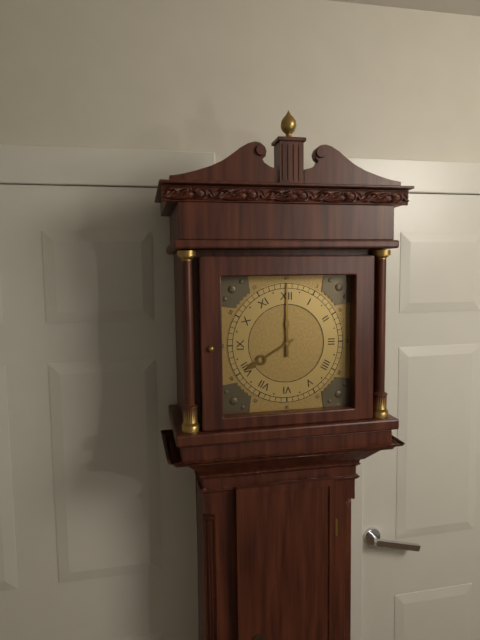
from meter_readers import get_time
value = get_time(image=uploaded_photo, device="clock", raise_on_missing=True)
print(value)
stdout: 8:00
